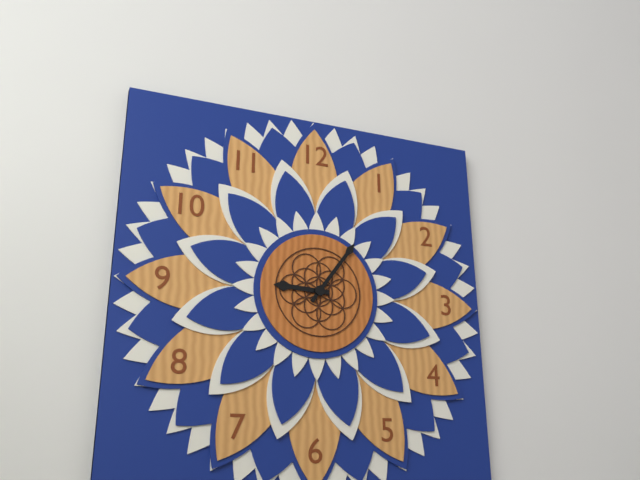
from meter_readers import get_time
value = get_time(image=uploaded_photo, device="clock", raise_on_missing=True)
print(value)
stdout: 9:06
